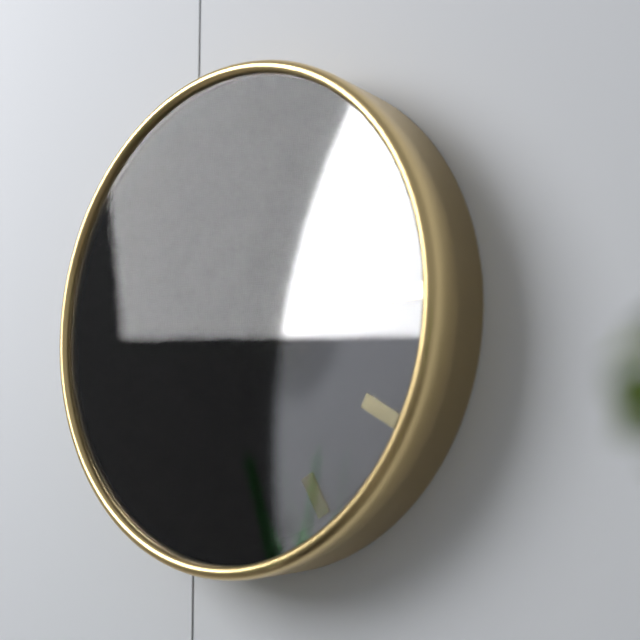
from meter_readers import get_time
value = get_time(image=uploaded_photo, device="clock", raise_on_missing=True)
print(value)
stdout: 3:47
